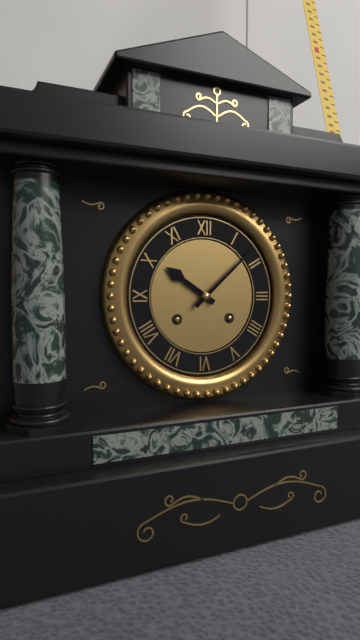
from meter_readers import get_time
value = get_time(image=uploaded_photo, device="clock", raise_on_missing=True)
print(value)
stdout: 10:08
